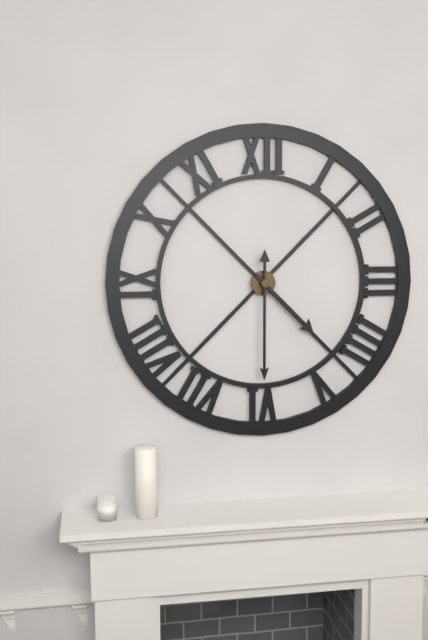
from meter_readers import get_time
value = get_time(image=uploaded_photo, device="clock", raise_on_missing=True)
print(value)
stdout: 4:30
